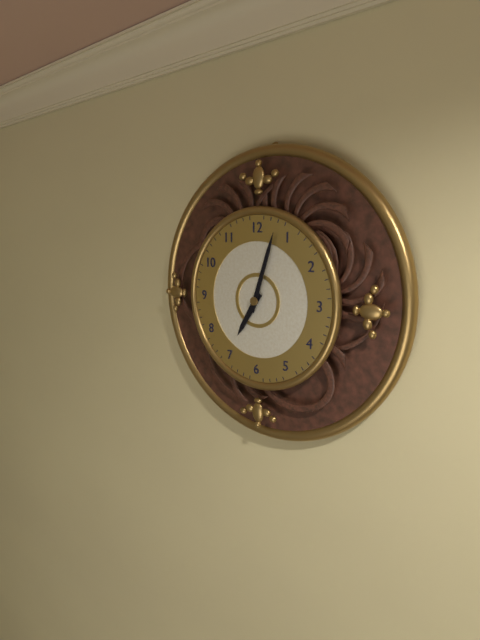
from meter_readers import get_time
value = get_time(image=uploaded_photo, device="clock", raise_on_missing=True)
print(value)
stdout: 7:03
